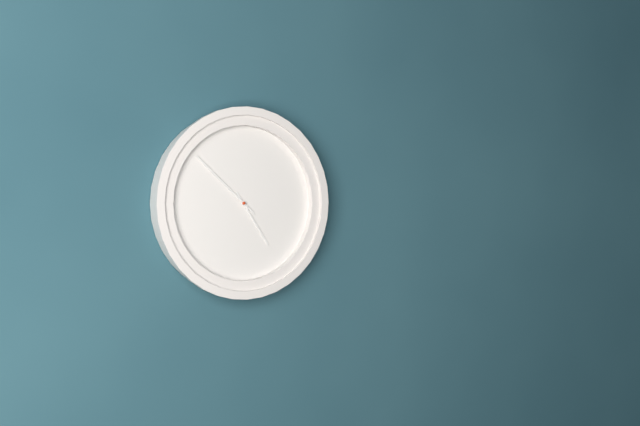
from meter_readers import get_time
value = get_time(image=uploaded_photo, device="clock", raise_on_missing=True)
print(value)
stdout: 4:52
